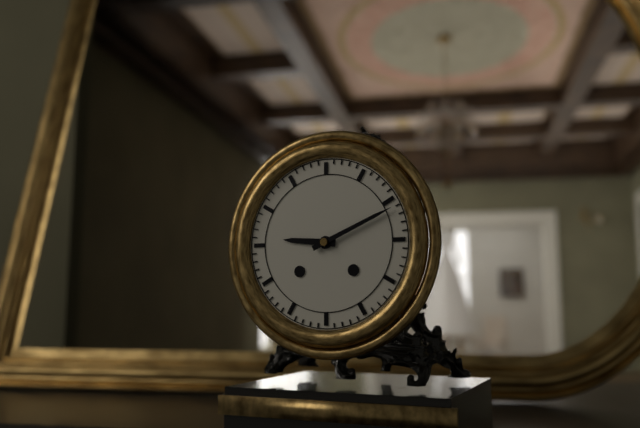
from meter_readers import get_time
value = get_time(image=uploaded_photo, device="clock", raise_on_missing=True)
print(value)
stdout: 9:11
